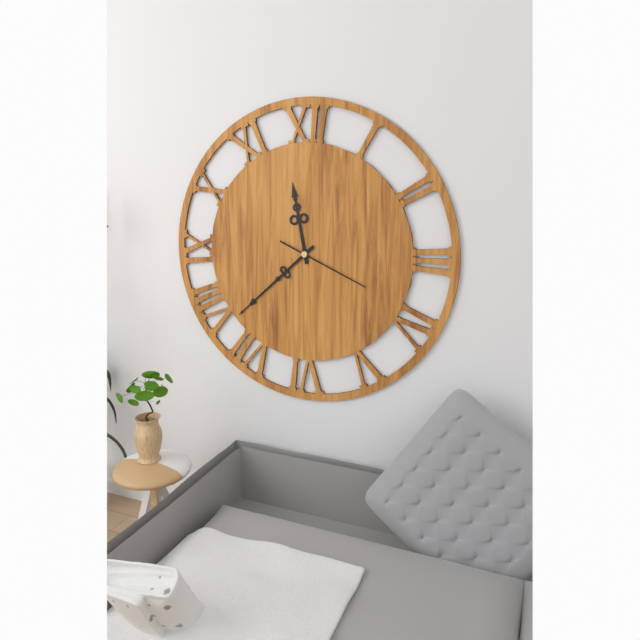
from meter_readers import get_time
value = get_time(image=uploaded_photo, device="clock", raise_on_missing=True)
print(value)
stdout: 11:38:19
